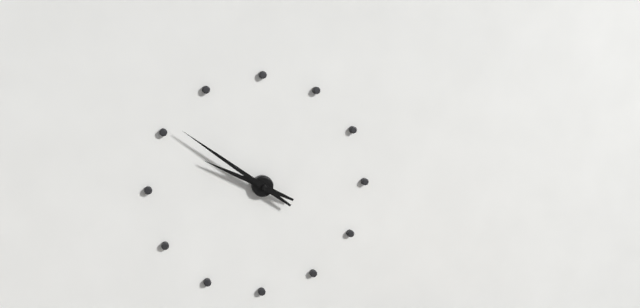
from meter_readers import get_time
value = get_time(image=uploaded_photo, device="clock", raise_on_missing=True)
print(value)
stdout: 9:51
